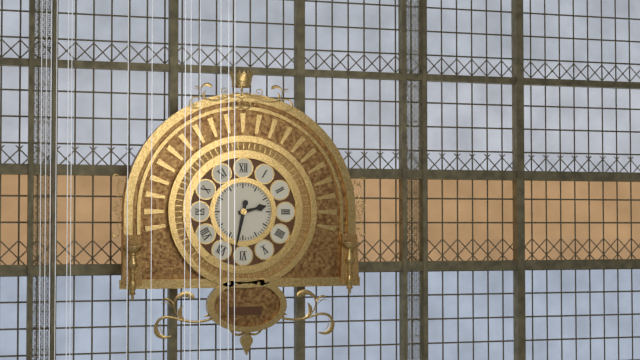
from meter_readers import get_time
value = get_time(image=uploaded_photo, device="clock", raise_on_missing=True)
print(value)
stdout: 2:32
